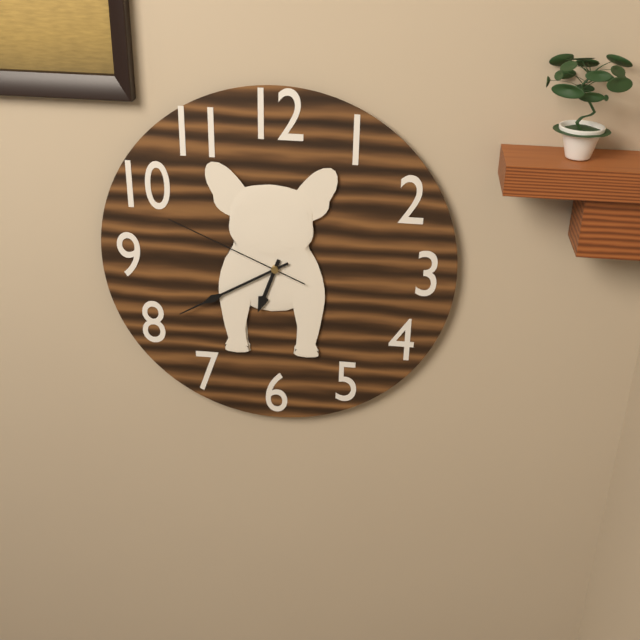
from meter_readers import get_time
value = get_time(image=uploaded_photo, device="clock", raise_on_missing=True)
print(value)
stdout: 6:40:49
